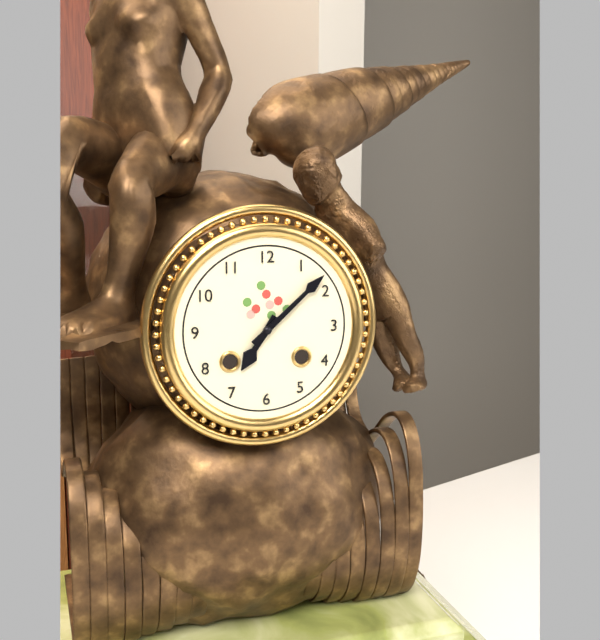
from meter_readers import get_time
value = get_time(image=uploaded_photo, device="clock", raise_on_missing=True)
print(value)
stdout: 7:08
